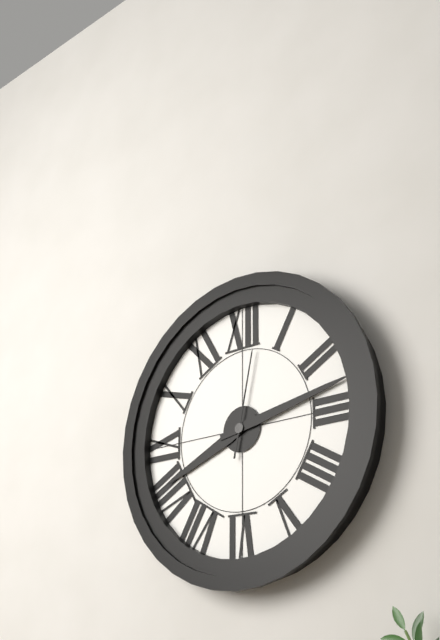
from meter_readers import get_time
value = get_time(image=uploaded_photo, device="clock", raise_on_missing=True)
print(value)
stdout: 8:13:02
